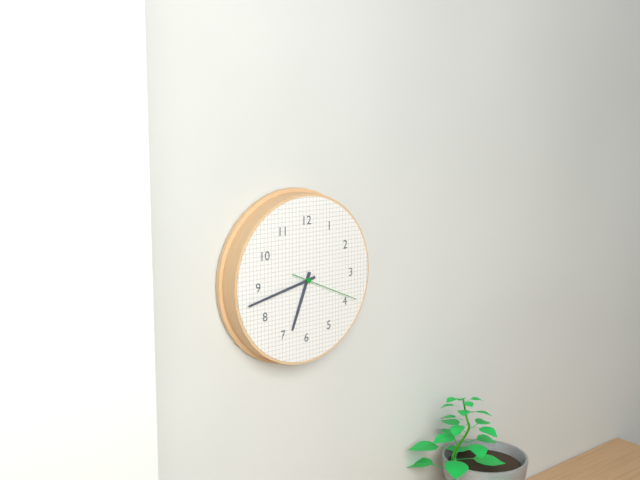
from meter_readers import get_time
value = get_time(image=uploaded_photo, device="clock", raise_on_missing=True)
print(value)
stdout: 6:43:19
